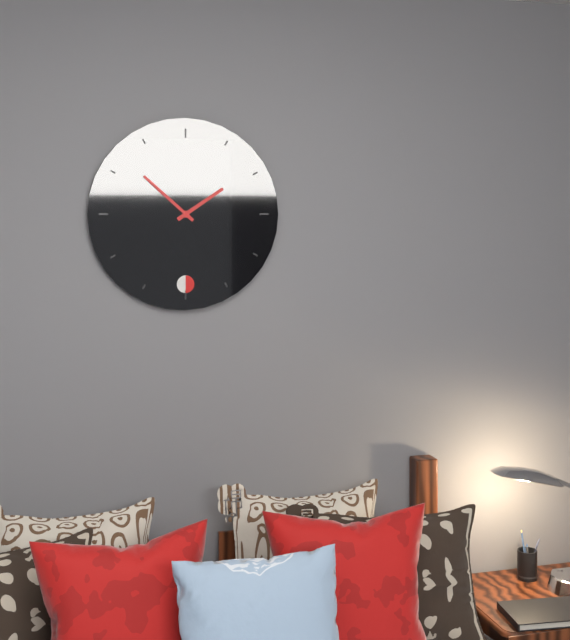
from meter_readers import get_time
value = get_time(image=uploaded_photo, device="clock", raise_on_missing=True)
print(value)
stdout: 1:52
